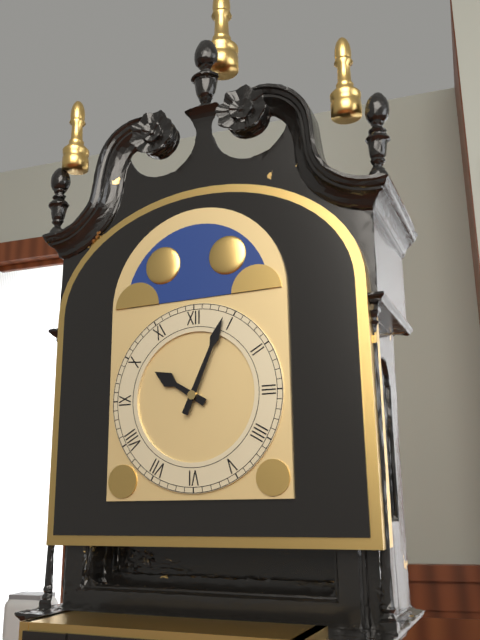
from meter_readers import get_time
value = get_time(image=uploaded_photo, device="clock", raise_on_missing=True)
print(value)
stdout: 10:04
